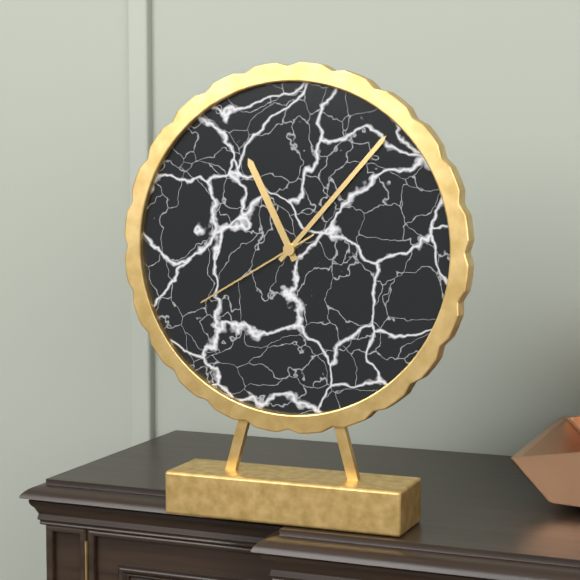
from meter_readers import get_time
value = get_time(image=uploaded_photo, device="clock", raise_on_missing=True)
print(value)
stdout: 11:07:40
